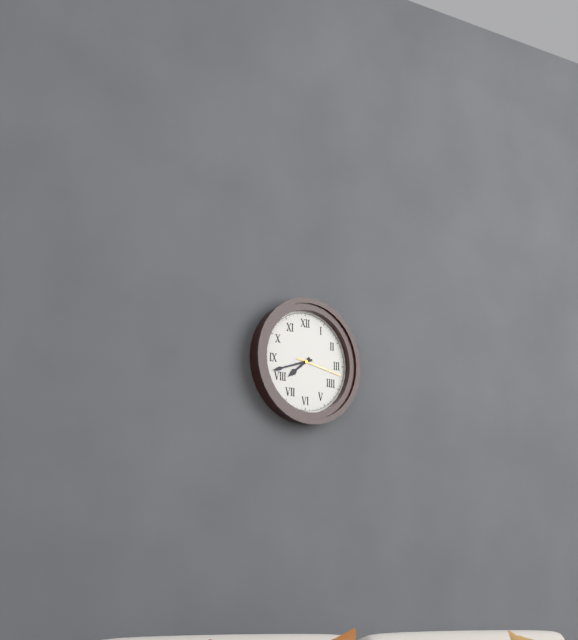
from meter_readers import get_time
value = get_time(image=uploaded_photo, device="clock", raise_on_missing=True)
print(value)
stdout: 7:42
